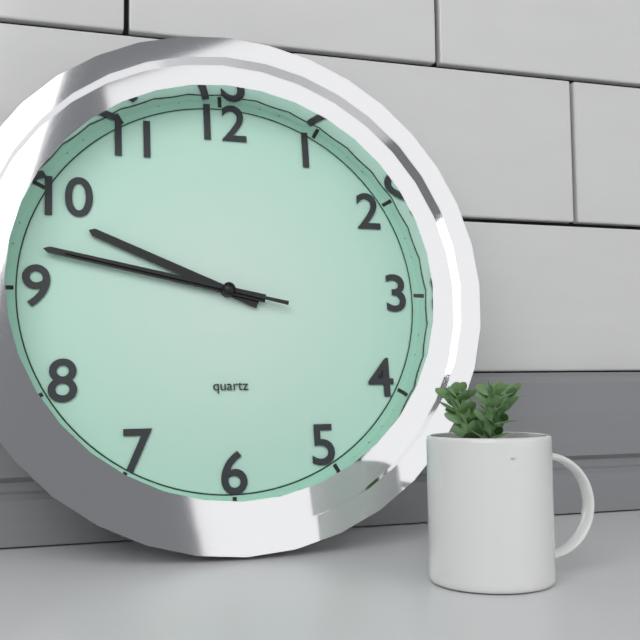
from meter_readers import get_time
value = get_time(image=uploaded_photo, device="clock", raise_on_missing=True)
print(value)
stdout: 9:47:47
